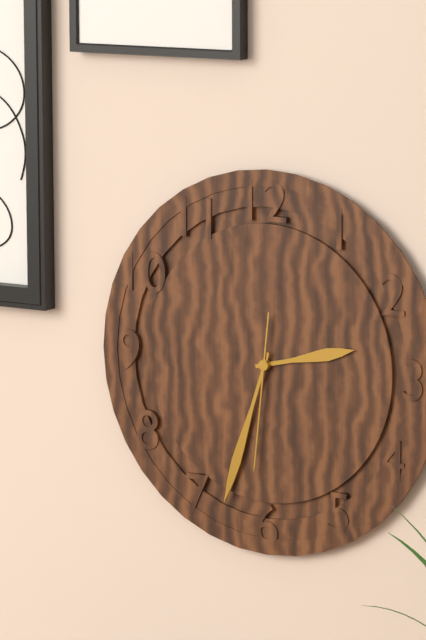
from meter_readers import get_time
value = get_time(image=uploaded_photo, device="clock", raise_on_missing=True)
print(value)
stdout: 2:33:31
